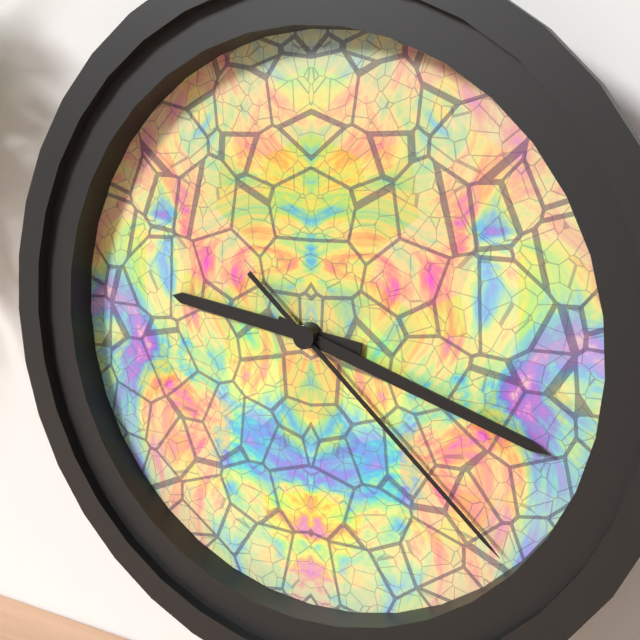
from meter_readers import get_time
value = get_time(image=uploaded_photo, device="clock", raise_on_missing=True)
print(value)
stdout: 9:18:22
